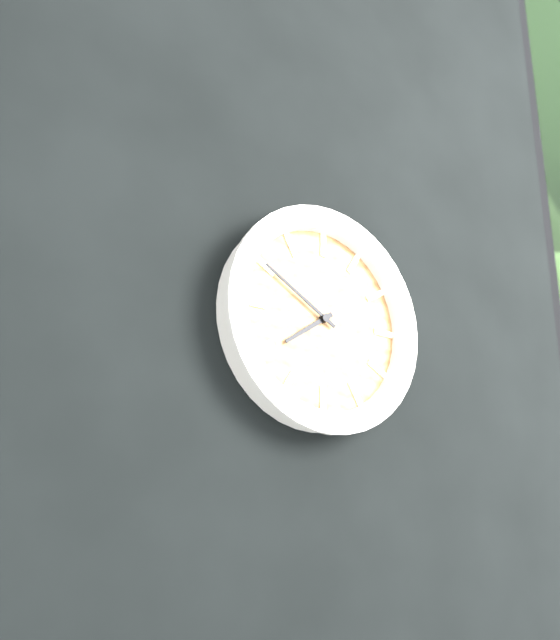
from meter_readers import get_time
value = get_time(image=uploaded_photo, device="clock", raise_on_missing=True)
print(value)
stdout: 7:50
